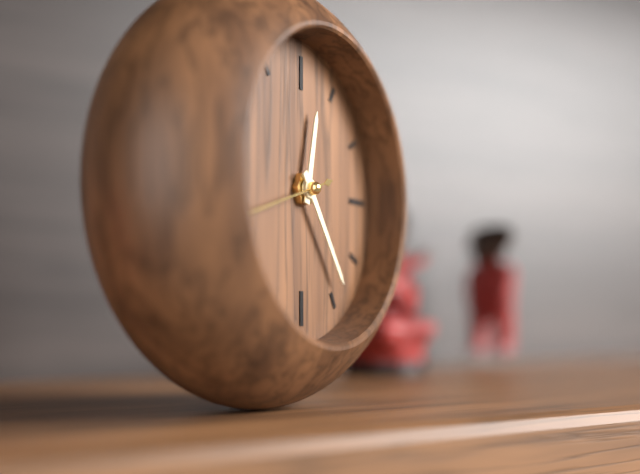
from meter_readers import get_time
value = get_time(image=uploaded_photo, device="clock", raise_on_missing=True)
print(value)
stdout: 12:24:42
